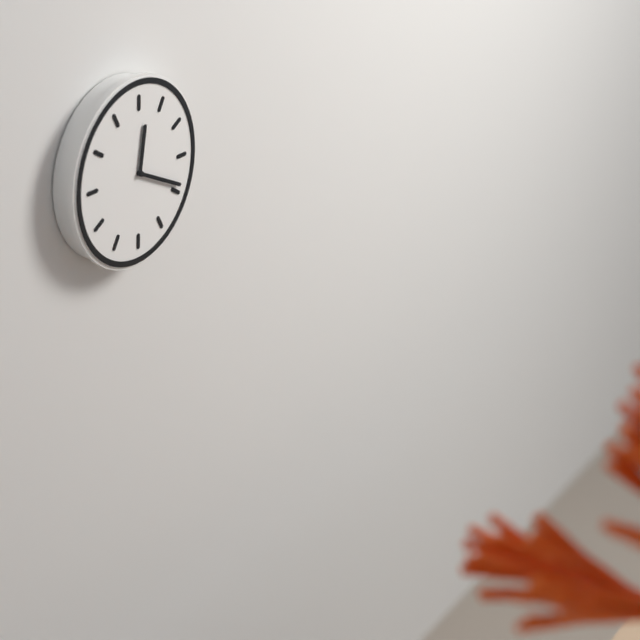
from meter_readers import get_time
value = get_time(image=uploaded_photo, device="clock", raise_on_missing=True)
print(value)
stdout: 12:19
